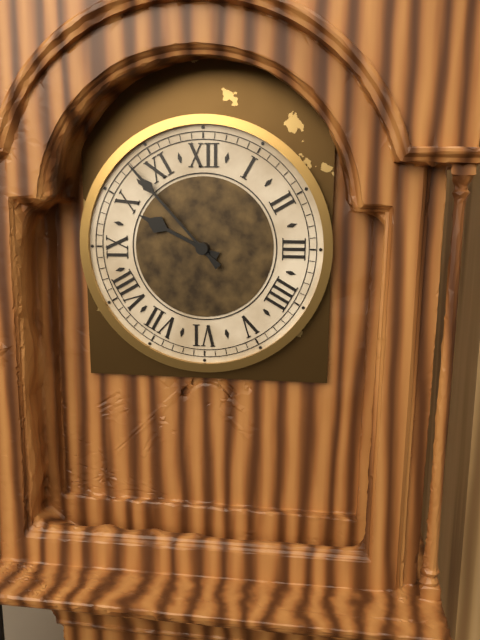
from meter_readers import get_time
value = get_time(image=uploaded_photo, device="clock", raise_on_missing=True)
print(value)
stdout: 9:53
